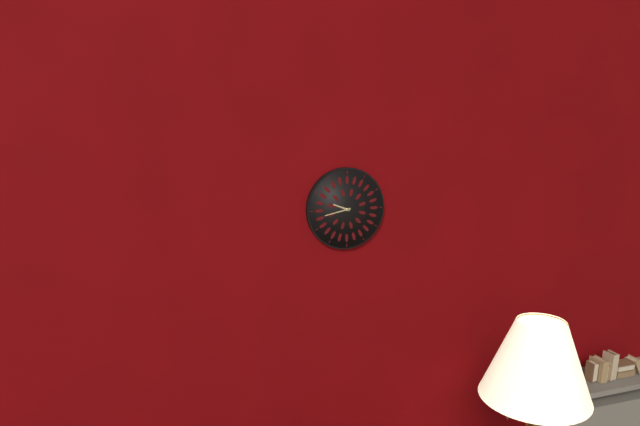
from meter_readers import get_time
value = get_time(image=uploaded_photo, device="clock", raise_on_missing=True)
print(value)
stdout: 9:43
